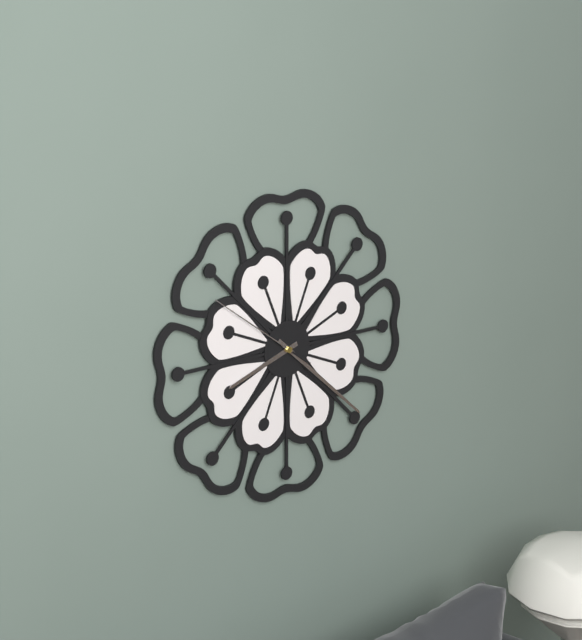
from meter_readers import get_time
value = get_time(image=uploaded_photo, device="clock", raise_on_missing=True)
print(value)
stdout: 8:22:51
